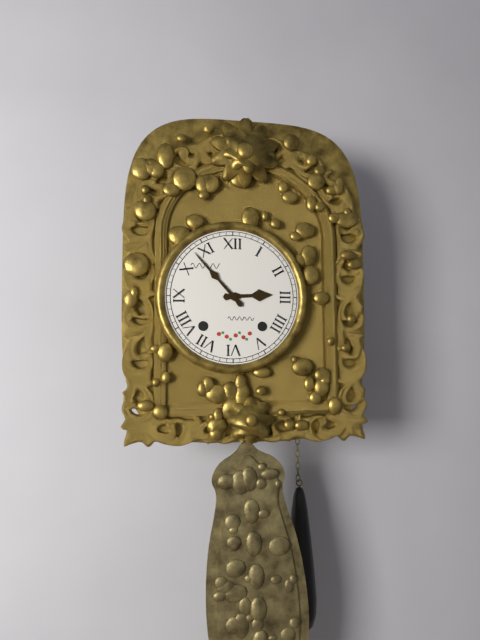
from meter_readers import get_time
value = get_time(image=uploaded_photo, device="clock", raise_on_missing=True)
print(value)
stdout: 2:53
